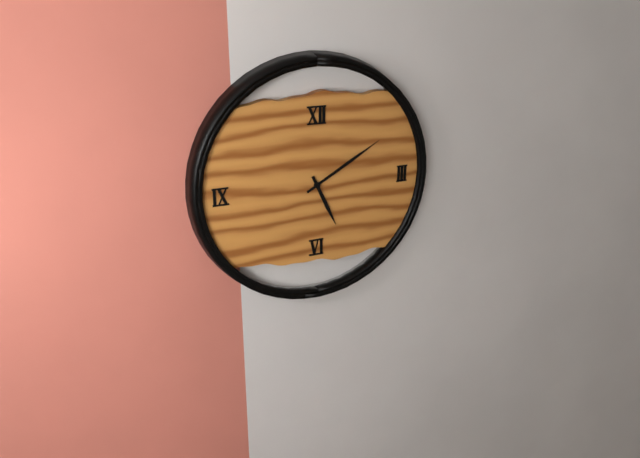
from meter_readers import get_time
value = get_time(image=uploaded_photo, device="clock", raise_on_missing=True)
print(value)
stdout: 5:10
